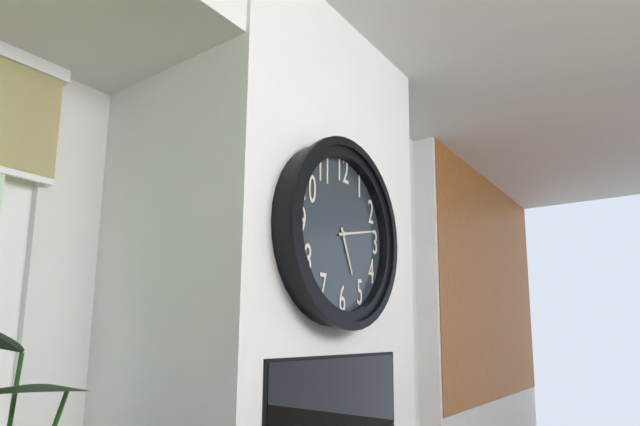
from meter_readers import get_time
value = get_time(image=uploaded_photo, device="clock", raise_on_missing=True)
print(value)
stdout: 5:13
